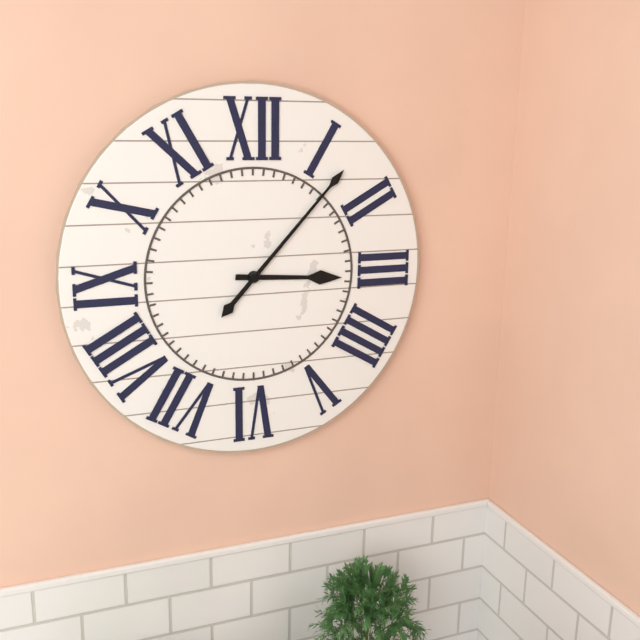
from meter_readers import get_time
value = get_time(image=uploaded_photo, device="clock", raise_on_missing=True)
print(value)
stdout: 3:07
